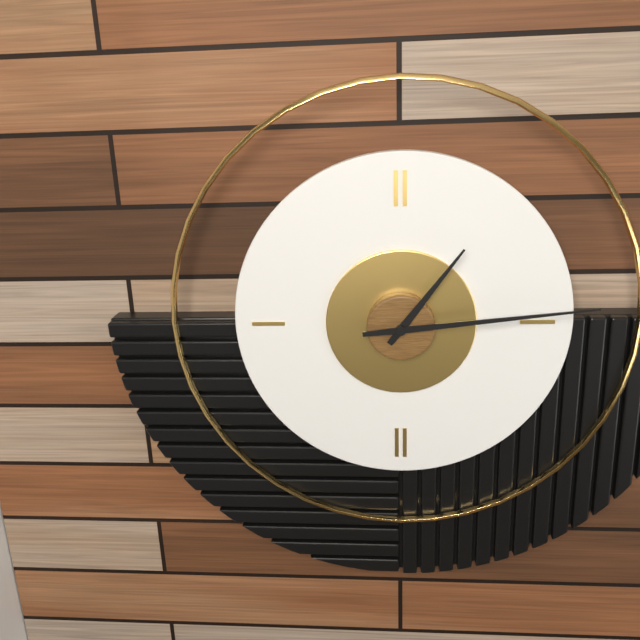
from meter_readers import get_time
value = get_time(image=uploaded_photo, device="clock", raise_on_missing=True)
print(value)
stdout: 1:14
